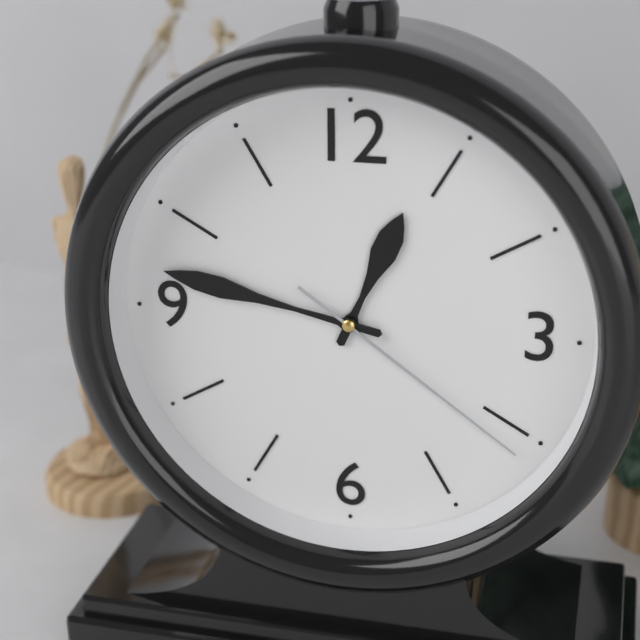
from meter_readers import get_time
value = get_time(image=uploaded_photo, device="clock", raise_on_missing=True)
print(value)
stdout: 12:47:21
